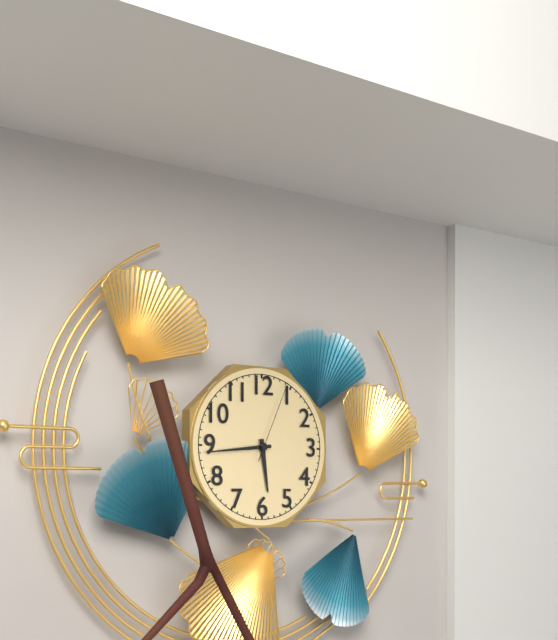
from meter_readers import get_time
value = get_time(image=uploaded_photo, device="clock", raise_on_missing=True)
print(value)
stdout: 5:44:04
